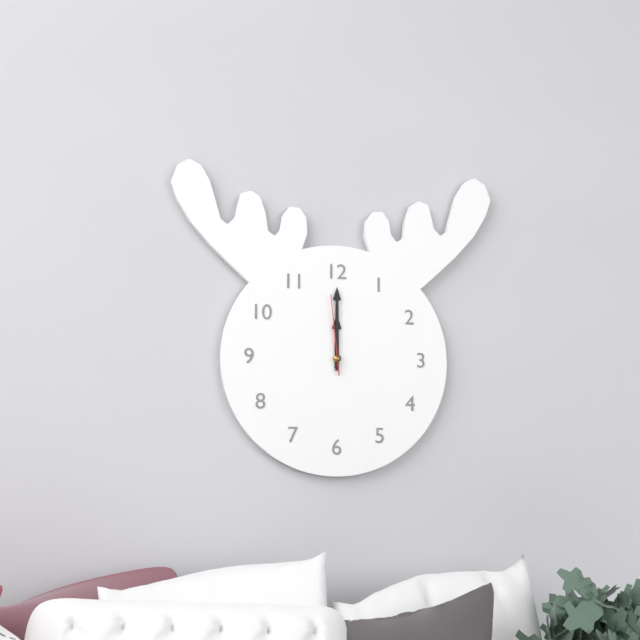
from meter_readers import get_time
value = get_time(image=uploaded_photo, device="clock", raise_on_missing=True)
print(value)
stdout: 12:00:59
